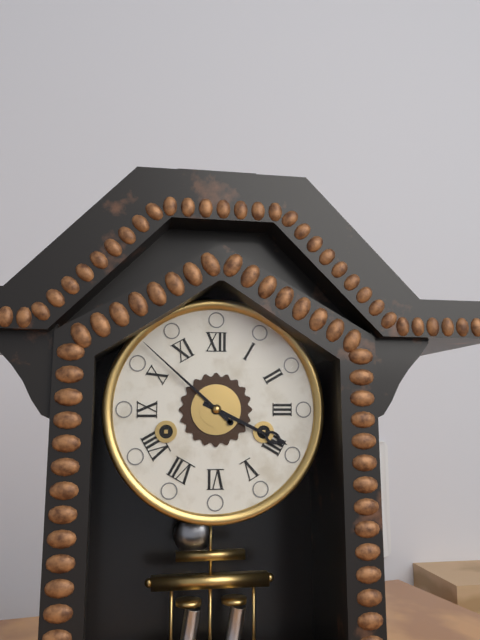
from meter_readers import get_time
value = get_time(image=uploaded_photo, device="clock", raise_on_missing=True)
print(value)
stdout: 3:52
